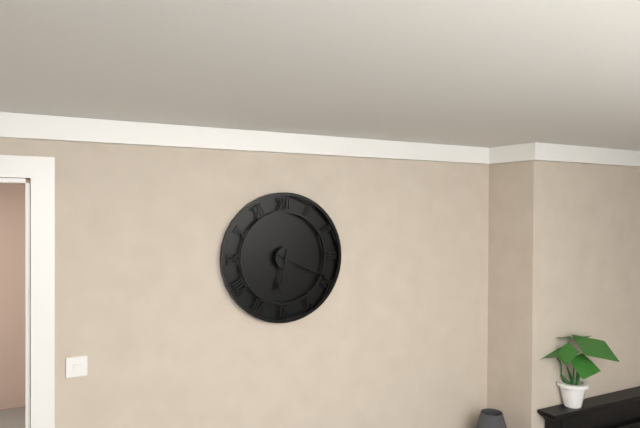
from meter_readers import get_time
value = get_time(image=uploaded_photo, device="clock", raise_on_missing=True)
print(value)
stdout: 6:19
